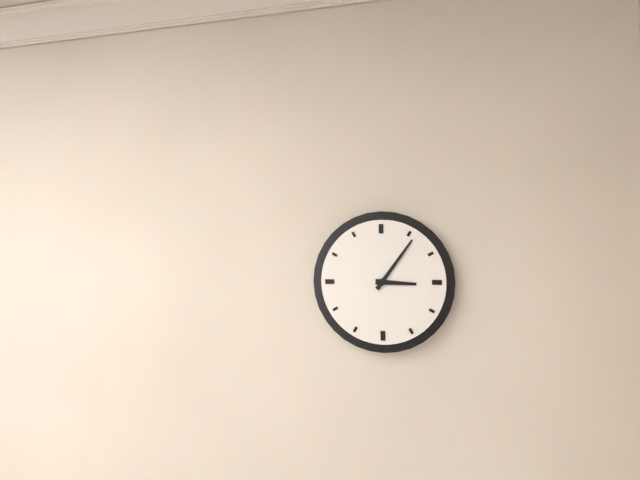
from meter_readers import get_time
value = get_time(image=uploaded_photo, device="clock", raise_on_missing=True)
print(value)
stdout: 3:06
